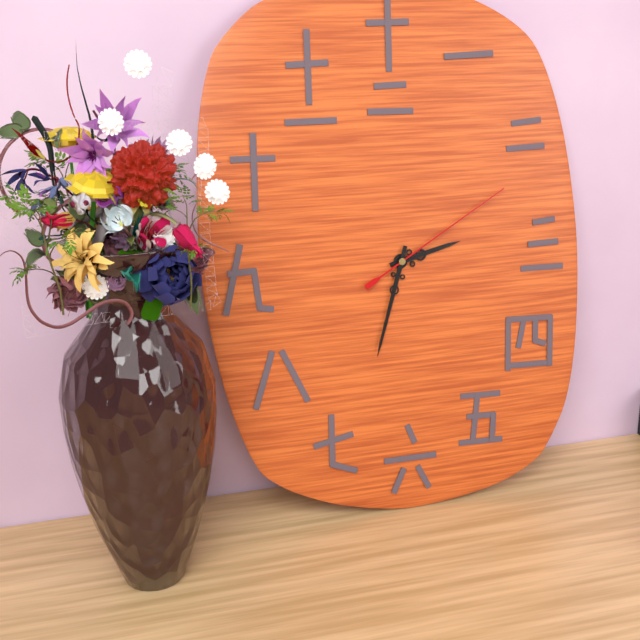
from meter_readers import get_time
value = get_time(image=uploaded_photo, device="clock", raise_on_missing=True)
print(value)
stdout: 2:33:10
